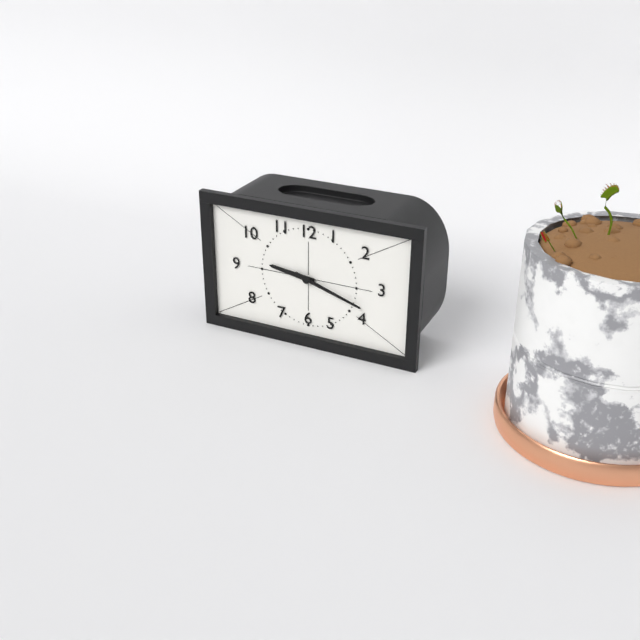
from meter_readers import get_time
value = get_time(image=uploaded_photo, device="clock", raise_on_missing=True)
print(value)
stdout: 9:18
